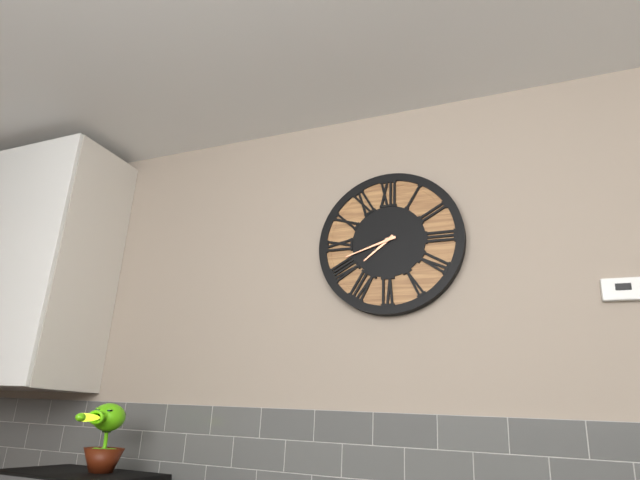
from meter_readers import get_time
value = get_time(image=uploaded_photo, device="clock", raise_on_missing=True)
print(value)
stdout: 7:42
